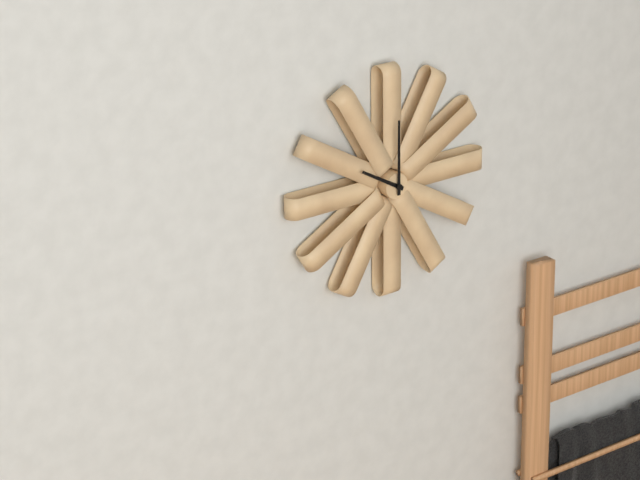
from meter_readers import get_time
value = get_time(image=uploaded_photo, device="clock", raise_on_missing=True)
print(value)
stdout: 10:00
